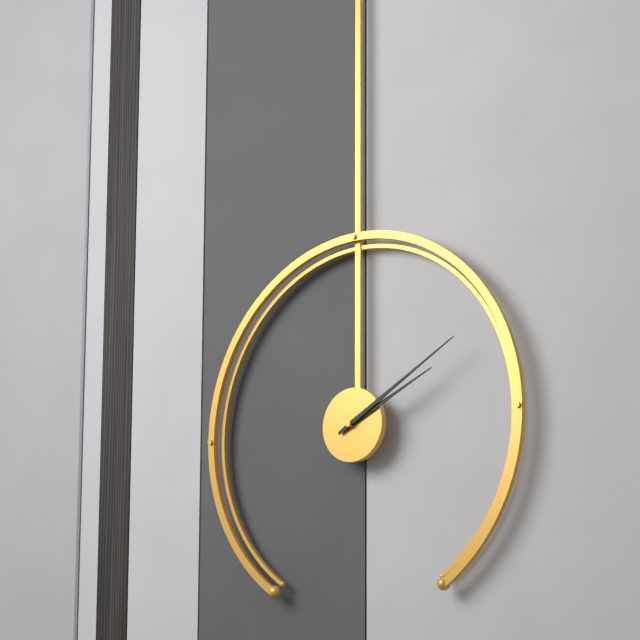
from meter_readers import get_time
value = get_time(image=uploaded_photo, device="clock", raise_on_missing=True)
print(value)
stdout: 2:10
